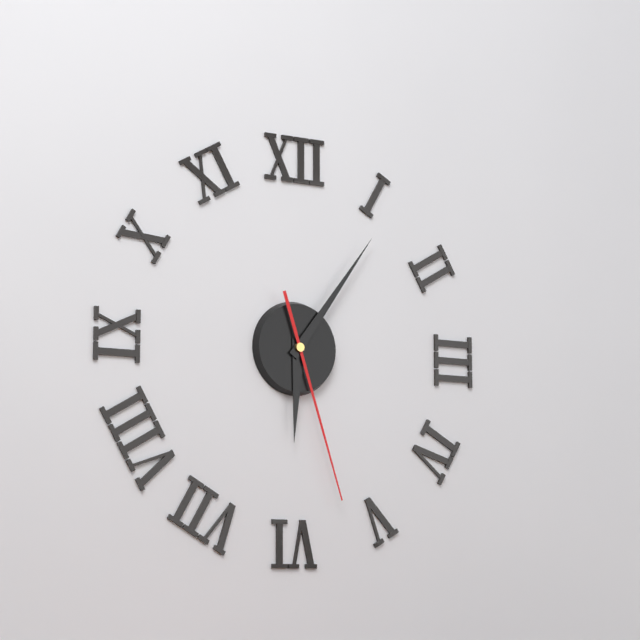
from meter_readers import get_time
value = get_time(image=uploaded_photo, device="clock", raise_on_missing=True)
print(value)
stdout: 6:06:27
